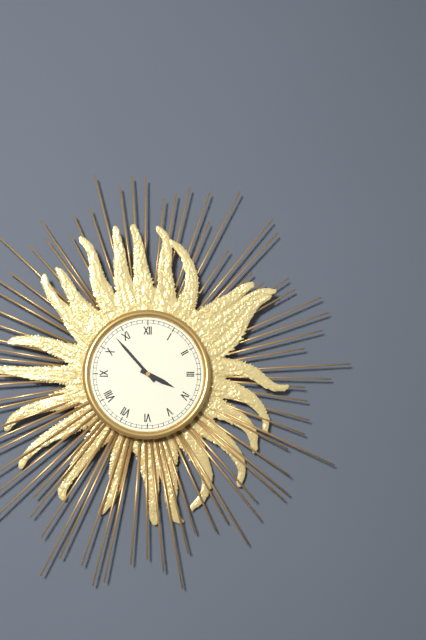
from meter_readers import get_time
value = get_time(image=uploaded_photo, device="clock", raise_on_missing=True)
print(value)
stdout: 3:53
